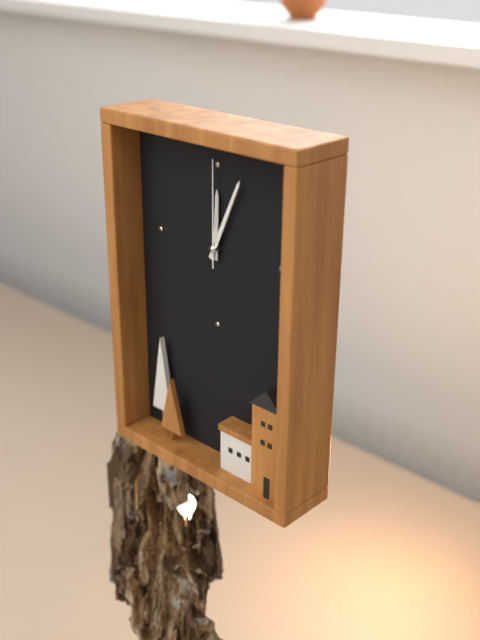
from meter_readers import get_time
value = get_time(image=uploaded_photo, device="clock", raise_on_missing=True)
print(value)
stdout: 12:04:00
